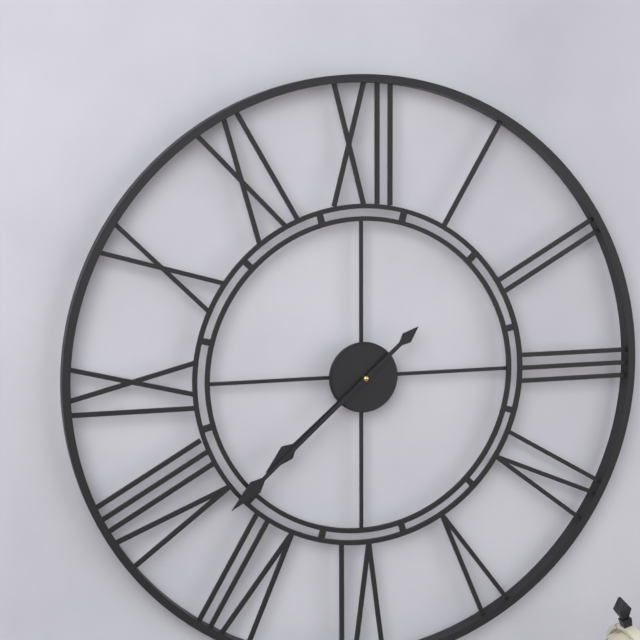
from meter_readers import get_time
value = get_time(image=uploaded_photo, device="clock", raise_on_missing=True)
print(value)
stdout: 7:38
